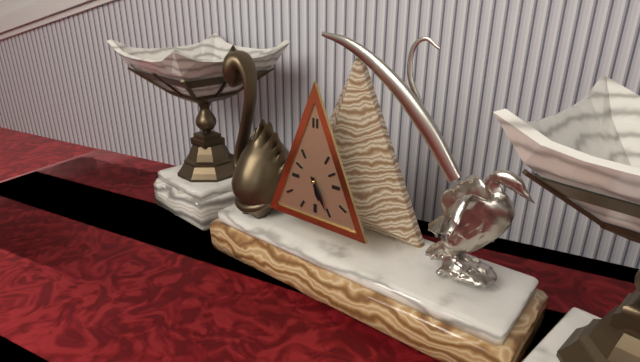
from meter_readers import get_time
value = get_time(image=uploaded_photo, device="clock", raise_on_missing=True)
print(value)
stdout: 5:25
